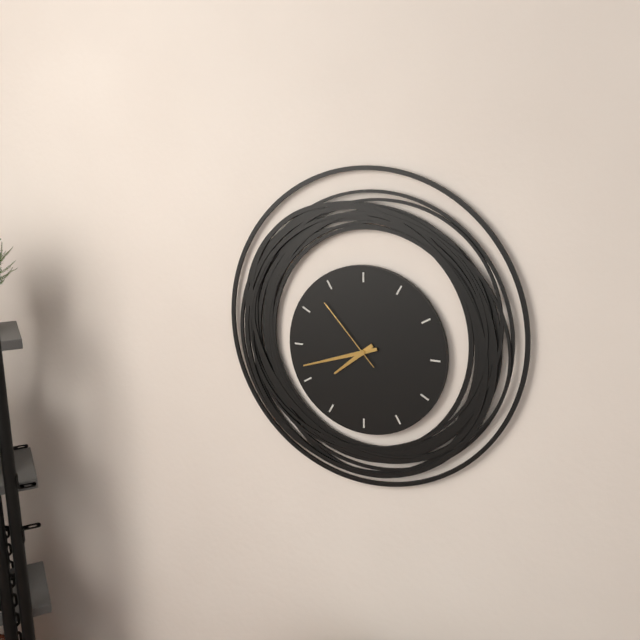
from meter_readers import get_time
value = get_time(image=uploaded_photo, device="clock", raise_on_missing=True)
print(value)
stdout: 7:42:53
